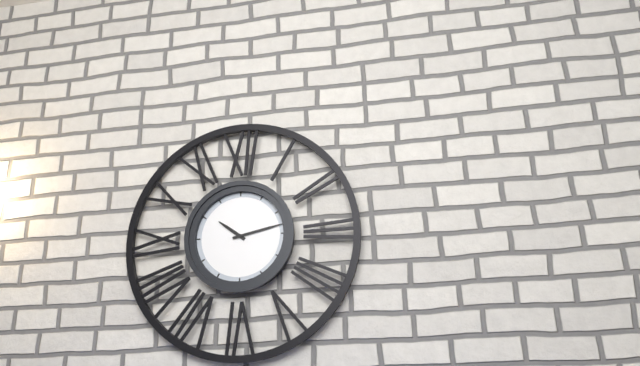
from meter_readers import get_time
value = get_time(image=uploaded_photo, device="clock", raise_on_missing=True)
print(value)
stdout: 10:13
